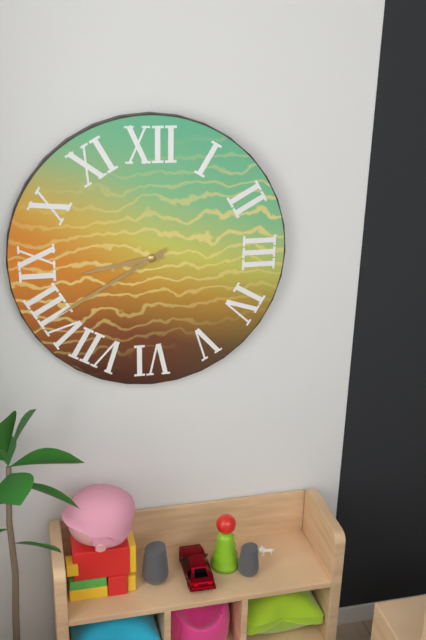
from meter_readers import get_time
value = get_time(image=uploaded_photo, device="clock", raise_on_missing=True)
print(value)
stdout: 8:40
